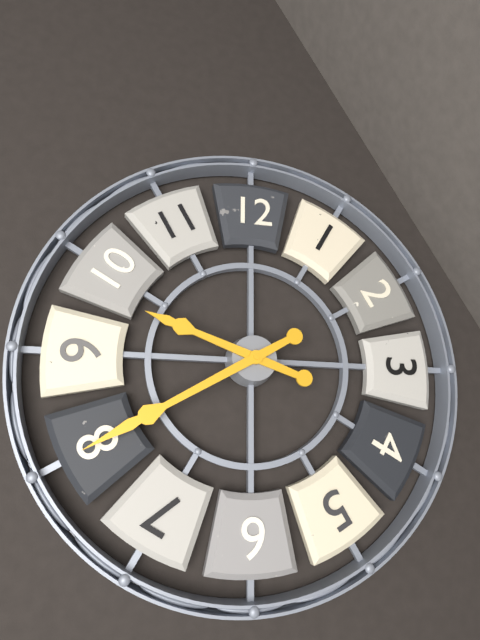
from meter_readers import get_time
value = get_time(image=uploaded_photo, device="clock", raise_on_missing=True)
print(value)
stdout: 9:40
